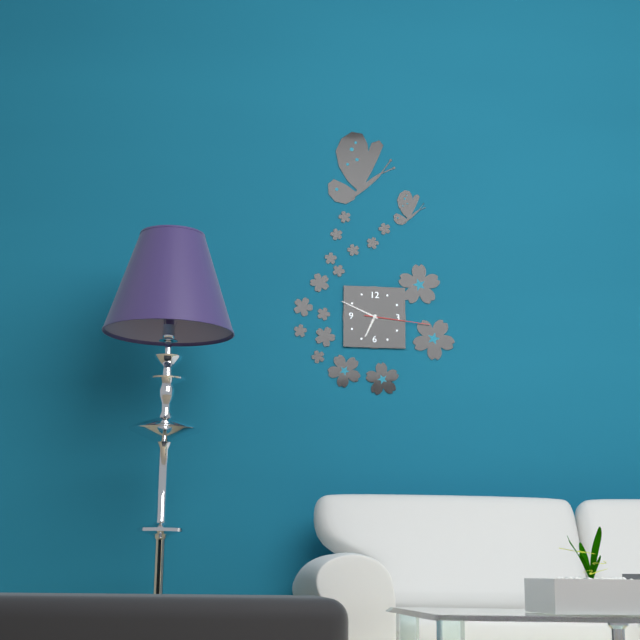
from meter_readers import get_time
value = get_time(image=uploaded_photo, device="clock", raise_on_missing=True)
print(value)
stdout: 6:49:16
